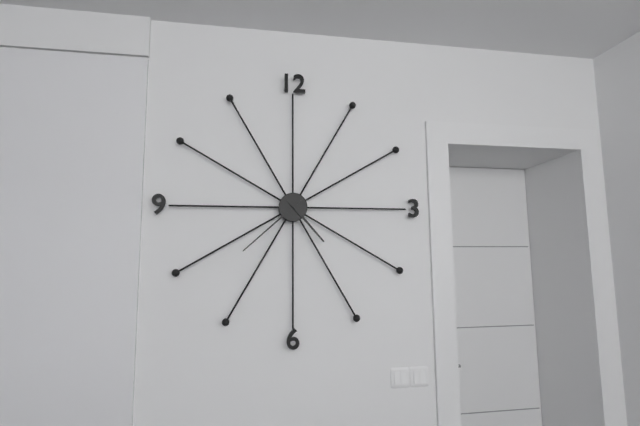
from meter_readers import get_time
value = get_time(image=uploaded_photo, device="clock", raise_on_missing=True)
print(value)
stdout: 4:38
